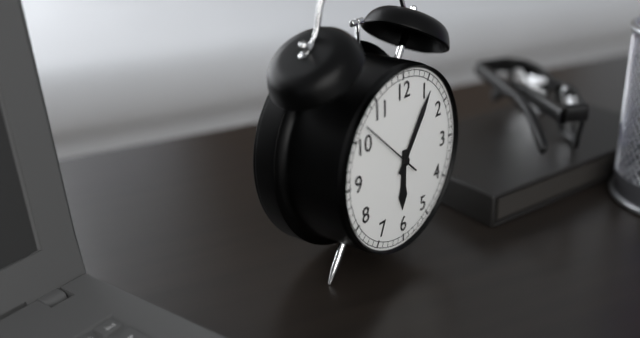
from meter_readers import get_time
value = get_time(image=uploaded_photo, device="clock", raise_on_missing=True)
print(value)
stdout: 6:06:52
